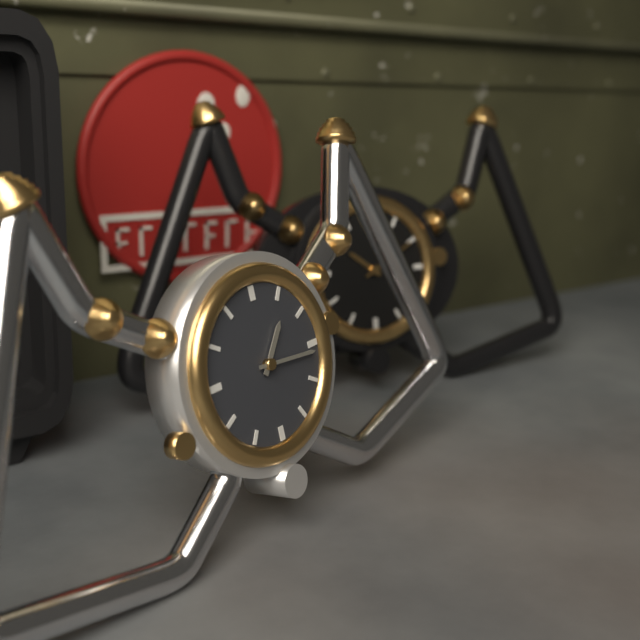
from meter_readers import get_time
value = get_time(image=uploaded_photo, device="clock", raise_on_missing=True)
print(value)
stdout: 1:16
